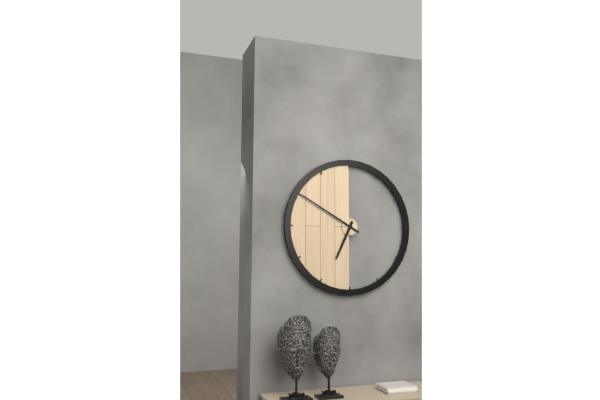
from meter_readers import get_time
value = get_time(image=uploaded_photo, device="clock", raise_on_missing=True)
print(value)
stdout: 6:50
